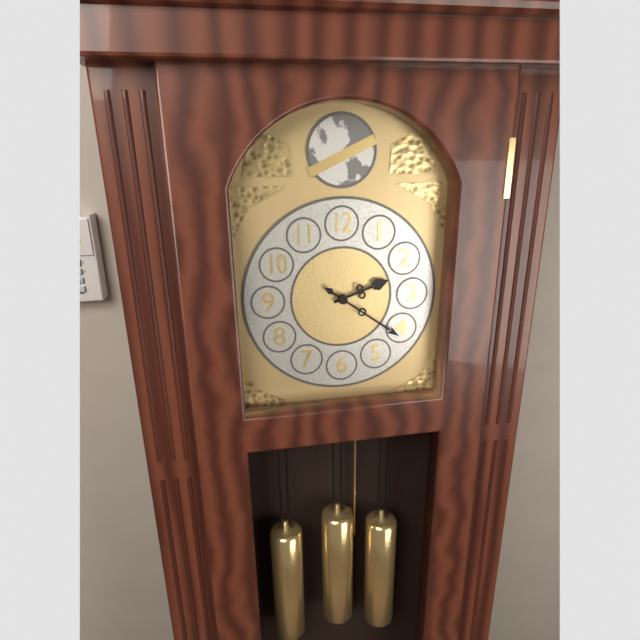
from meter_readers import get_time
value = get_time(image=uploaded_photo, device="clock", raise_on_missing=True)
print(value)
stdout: 2:21
